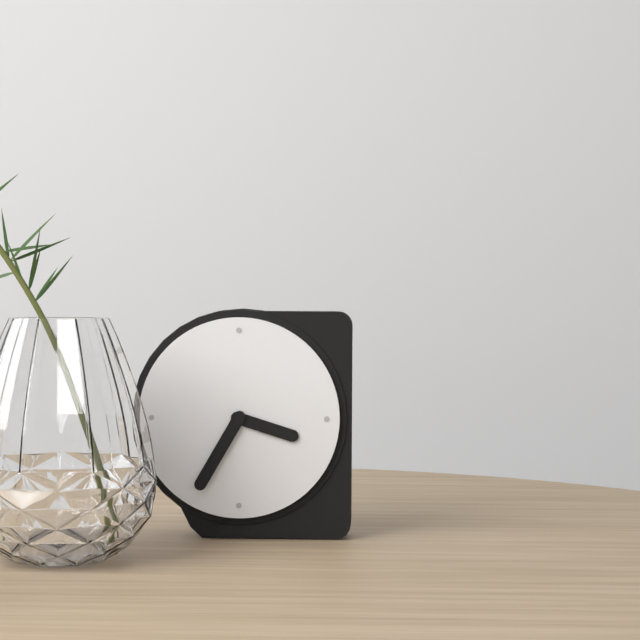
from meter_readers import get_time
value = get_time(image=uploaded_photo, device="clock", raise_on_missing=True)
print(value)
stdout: 3:35
